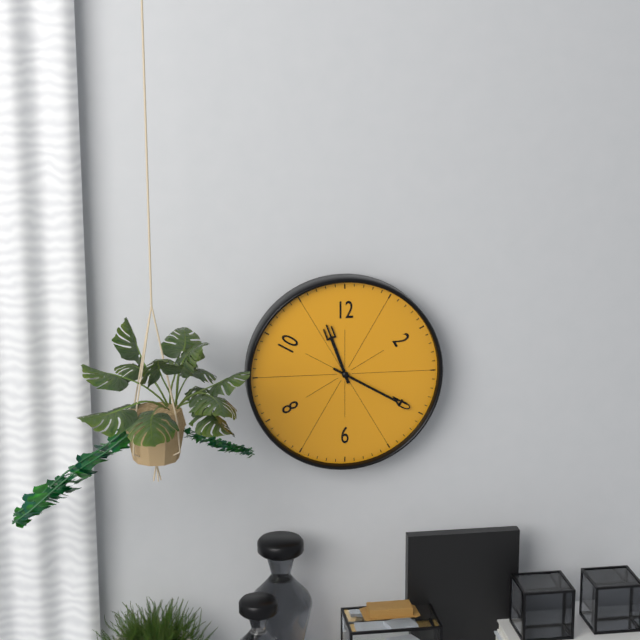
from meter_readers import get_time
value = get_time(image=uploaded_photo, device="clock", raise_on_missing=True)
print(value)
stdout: 11:20
